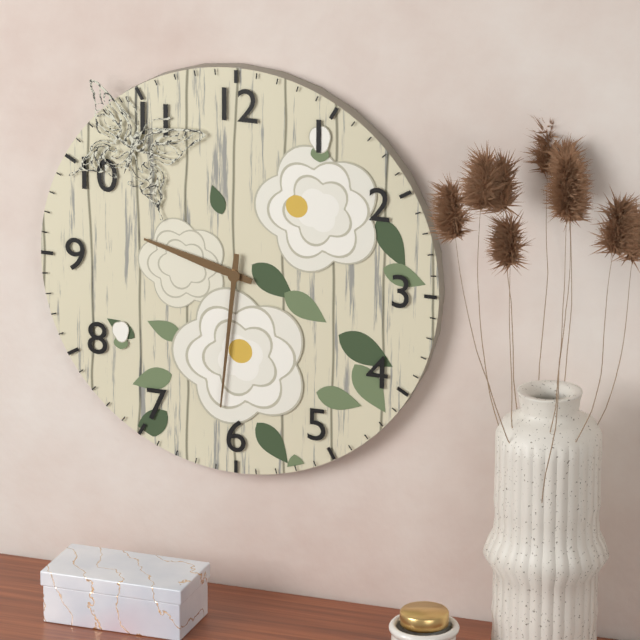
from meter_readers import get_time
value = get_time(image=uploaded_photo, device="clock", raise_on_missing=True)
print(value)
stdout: 9:31
